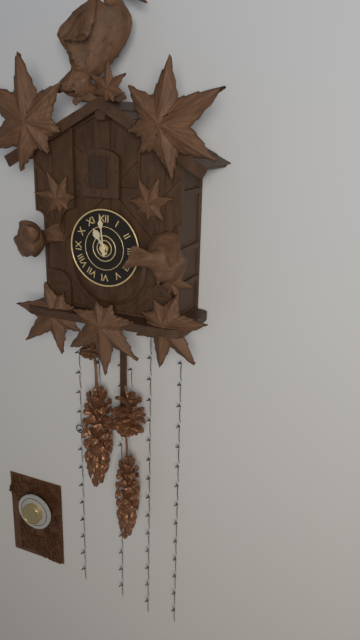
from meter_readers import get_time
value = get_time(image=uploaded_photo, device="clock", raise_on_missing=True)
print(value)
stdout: 10:59
